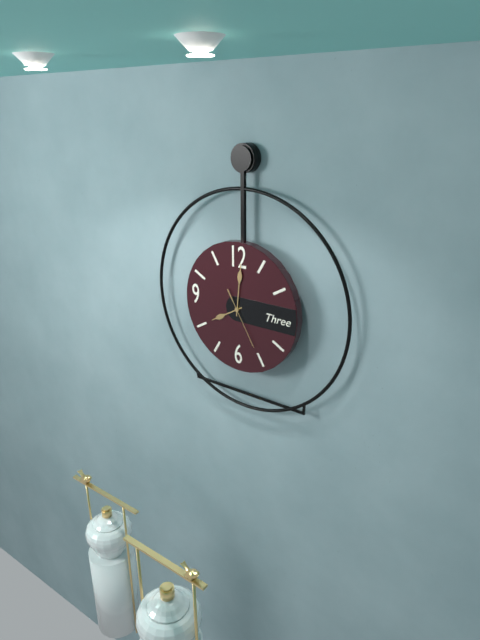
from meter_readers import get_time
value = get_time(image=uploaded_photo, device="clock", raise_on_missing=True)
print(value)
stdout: 8:01:25
